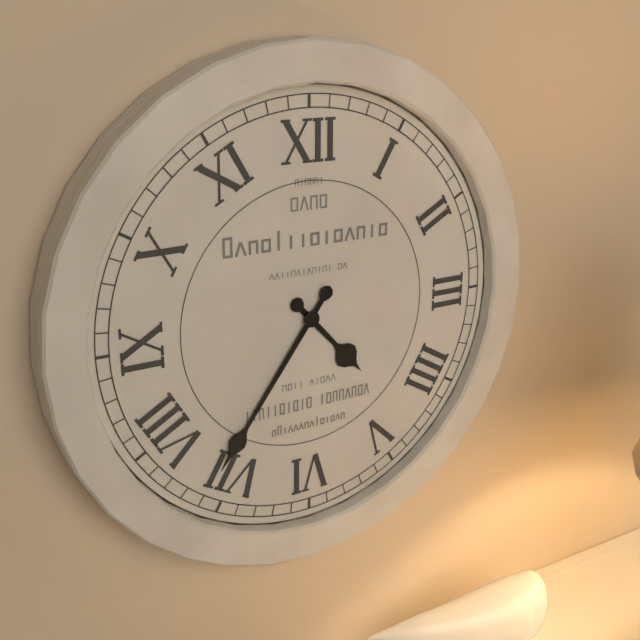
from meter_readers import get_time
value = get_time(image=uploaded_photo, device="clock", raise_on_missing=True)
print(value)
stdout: 4:36
